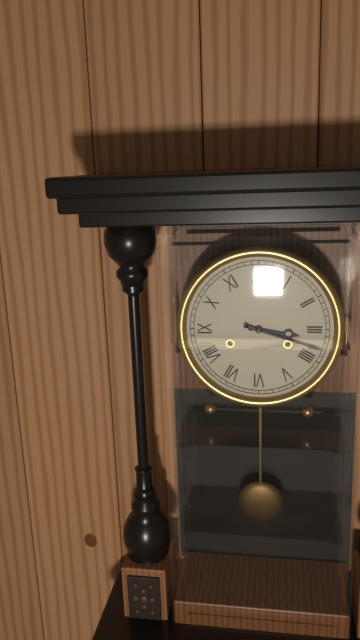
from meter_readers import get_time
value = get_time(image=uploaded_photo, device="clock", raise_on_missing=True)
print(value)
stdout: 3:18
